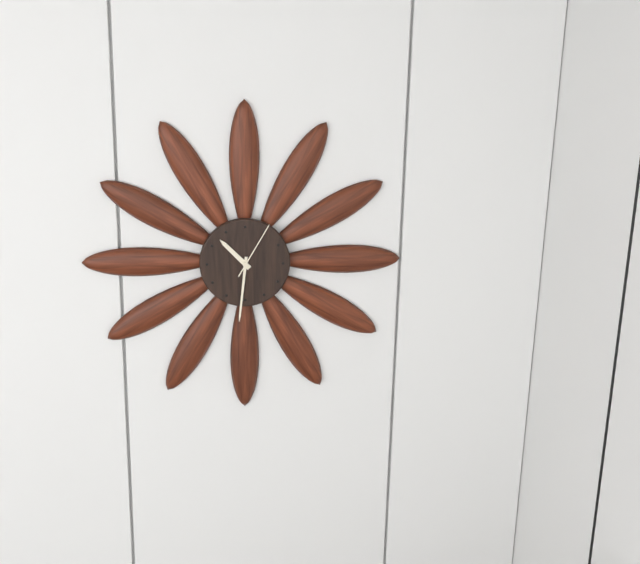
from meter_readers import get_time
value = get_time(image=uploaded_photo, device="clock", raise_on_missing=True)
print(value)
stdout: 10:31:05
